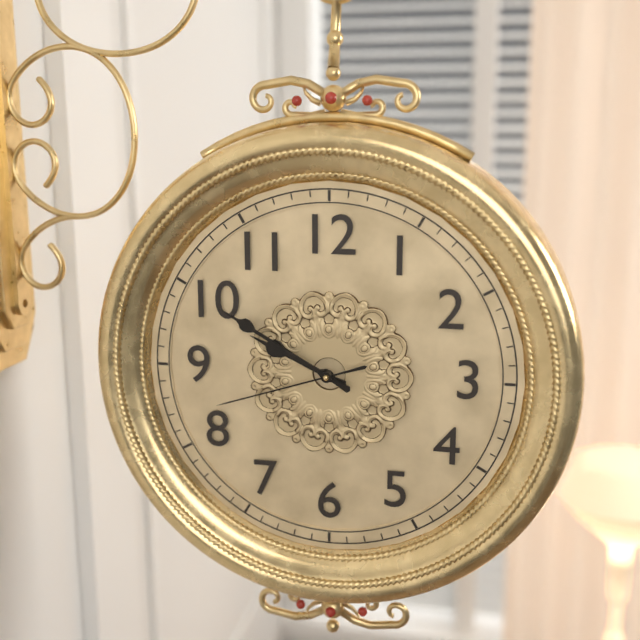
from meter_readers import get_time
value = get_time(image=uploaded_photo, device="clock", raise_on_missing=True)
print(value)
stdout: 9:50:42
